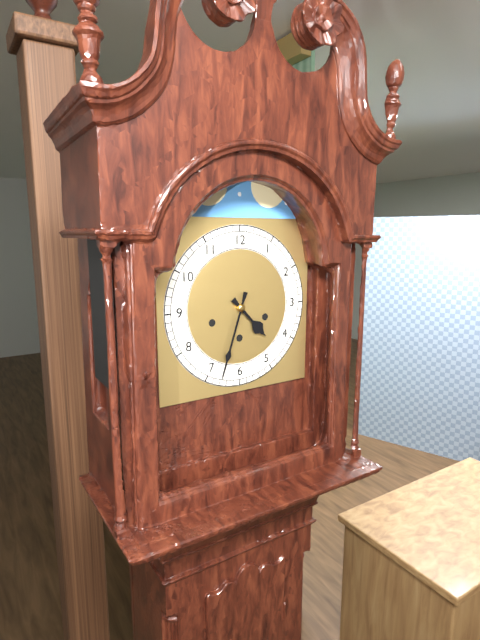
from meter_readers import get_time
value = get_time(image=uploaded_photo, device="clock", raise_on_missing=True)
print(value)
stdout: 4:33
